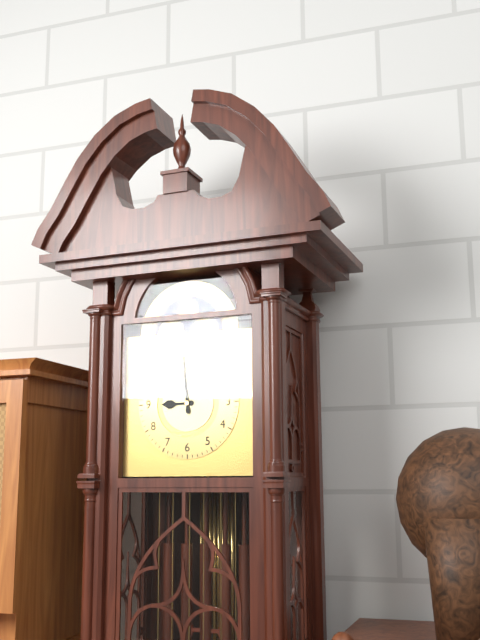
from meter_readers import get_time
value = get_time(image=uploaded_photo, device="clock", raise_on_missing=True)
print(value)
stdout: 8:59
